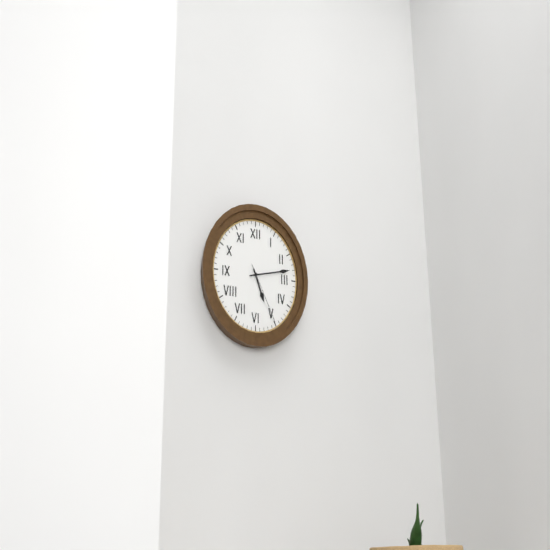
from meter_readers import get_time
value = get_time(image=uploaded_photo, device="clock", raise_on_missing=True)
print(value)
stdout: 5:13:25
